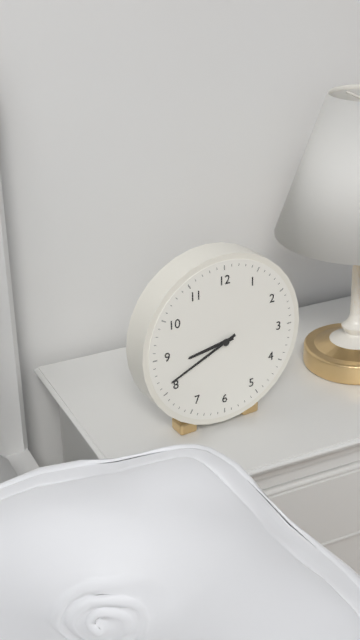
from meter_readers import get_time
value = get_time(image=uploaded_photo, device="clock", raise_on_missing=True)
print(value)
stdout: 8:41
